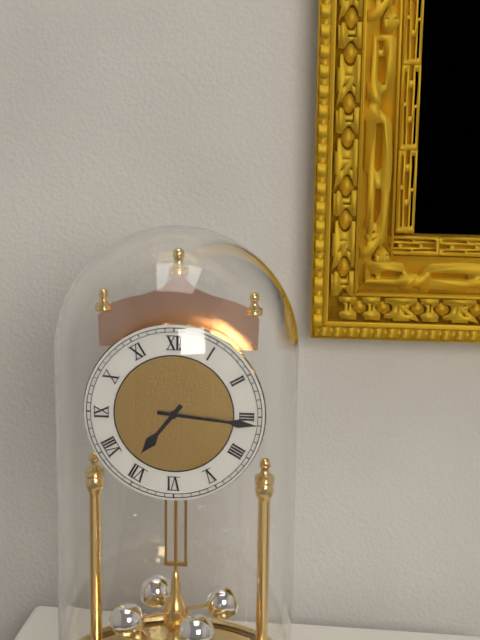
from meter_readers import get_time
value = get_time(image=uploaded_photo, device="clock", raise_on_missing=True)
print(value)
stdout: 7:16
